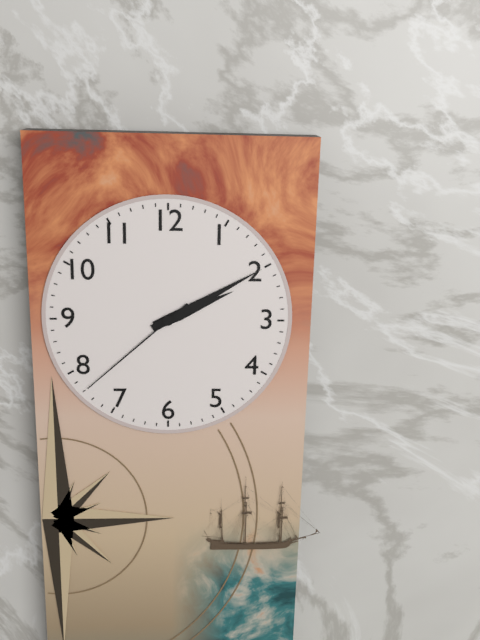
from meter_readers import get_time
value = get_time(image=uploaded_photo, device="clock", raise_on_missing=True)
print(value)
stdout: 2:10:38
